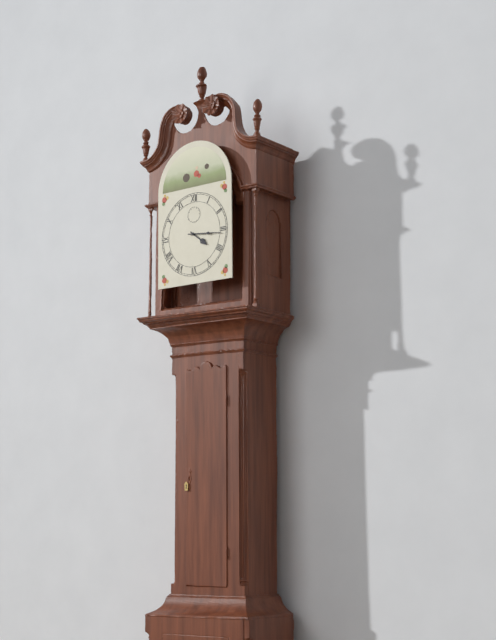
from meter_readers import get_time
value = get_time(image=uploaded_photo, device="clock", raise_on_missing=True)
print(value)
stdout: 4:16
